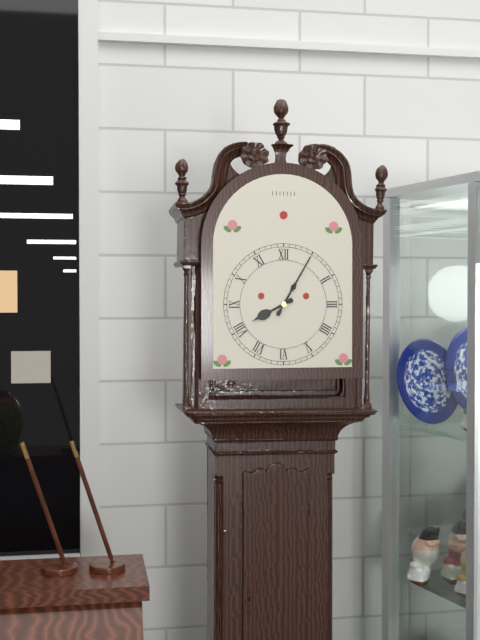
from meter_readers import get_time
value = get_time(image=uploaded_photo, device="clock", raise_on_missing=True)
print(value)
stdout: 8:05
